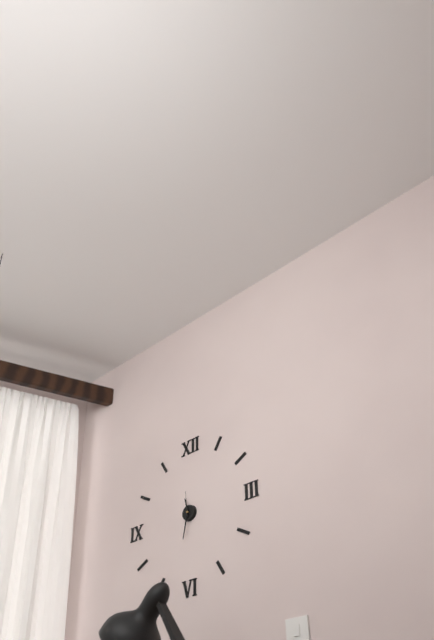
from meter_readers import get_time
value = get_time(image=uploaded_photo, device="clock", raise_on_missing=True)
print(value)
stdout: 11:32
